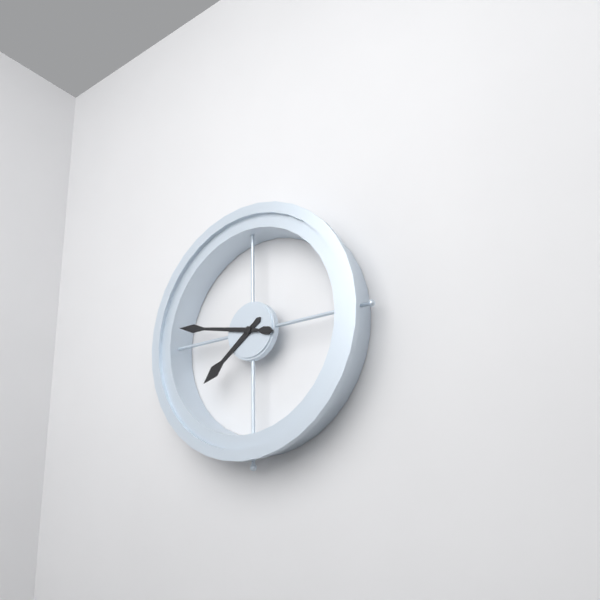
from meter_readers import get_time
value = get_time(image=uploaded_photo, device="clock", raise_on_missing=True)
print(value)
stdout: 7:47
